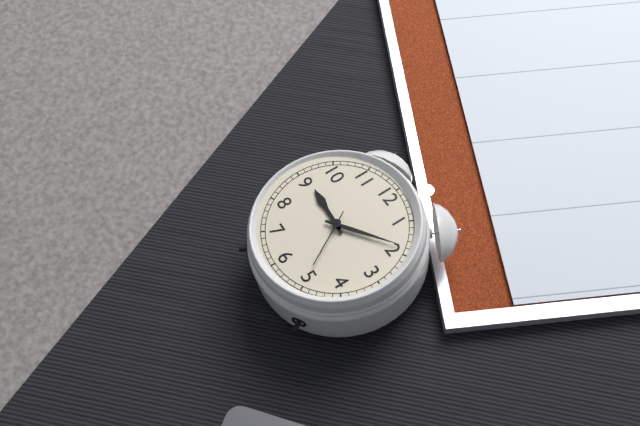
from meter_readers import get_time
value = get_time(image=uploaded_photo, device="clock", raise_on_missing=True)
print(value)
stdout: 9:09:25
